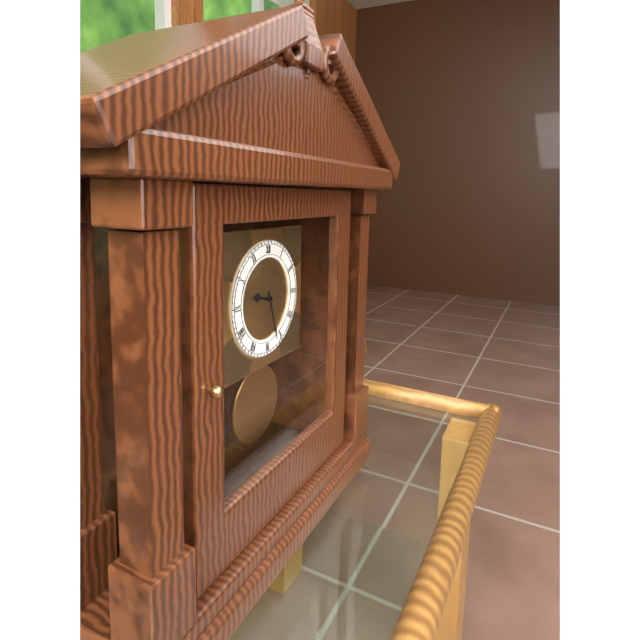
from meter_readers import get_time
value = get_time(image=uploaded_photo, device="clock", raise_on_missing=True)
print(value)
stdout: 9:27
